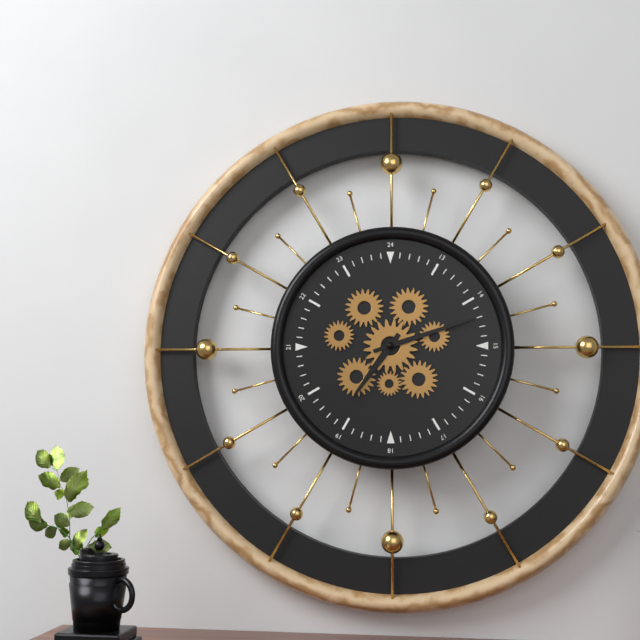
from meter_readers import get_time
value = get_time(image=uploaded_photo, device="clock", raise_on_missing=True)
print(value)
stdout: 7:12
